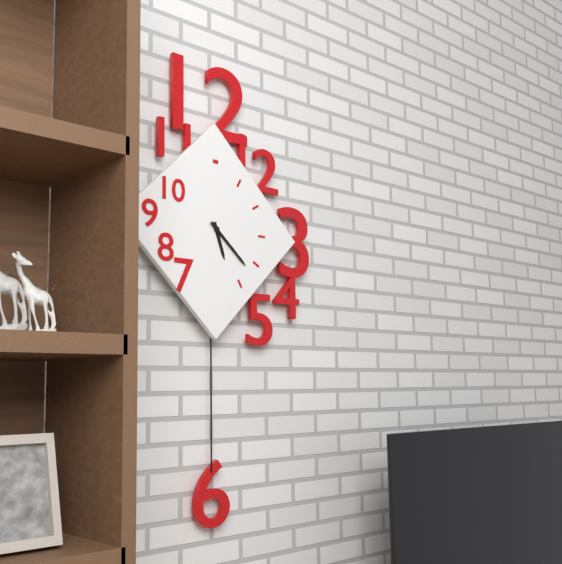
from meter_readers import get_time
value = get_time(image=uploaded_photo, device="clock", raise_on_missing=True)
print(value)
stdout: 5:22
